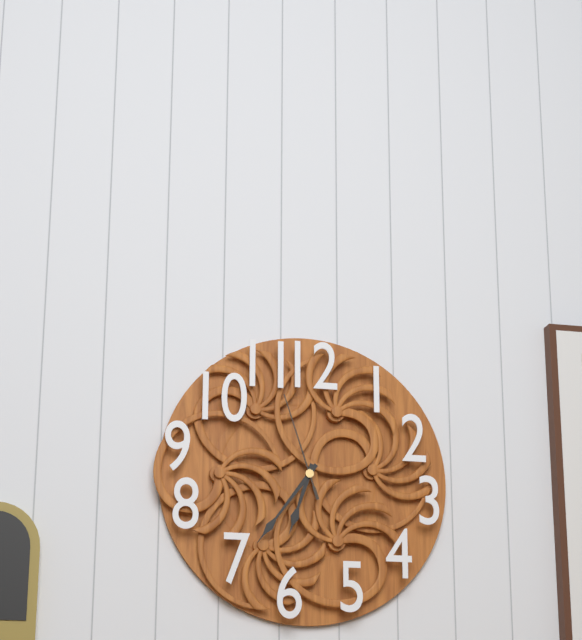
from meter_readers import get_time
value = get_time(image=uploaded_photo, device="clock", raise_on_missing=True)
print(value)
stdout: 6:36:57
